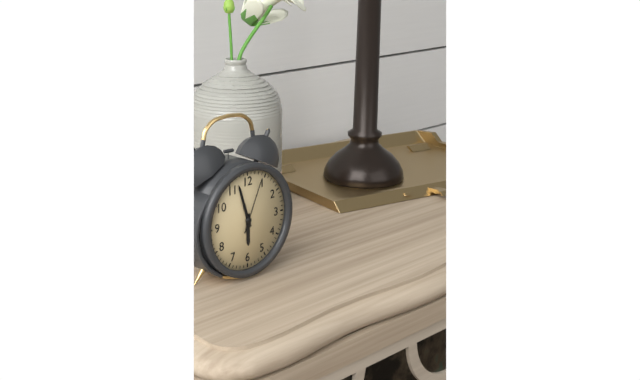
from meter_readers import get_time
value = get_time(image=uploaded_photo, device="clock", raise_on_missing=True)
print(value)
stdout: 5:57:04
